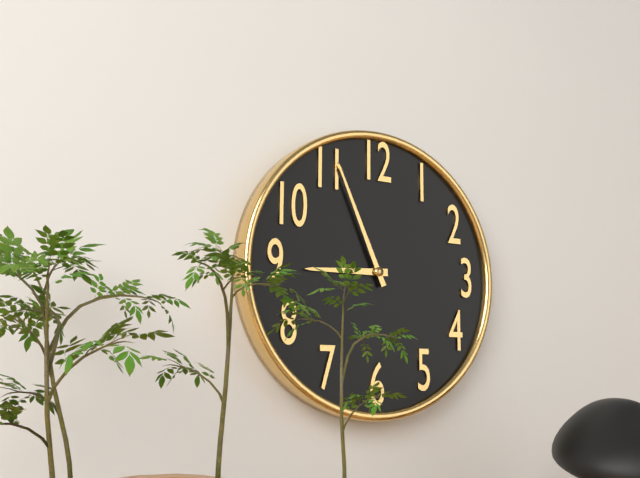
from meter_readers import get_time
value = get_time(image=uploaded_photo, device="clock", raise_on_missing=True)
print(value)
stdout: 8:56
